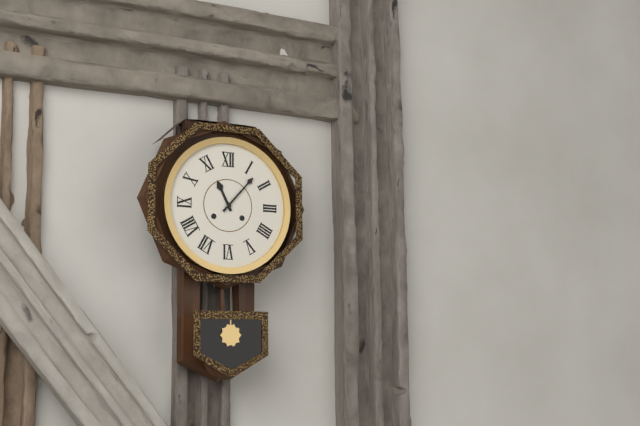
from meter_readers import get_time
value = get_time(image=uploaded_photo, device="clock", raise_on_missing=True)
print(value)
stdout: 11:07
